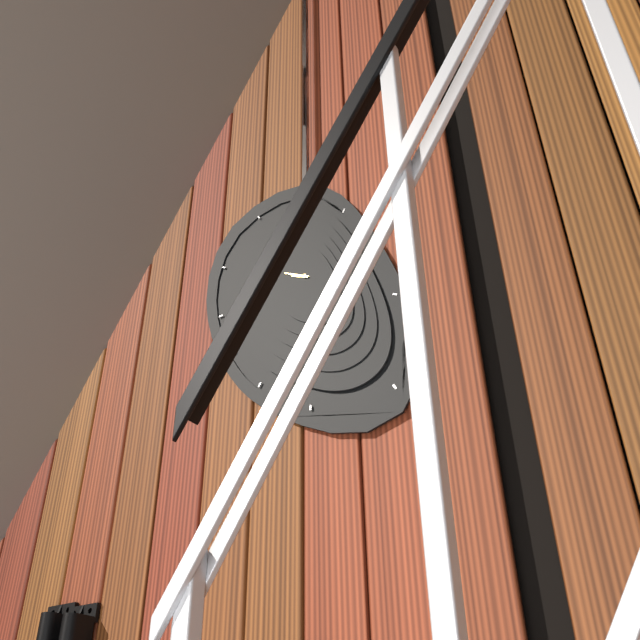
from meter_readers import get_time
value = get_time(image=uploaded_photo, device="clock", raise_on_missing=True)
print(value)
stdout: 9:50
